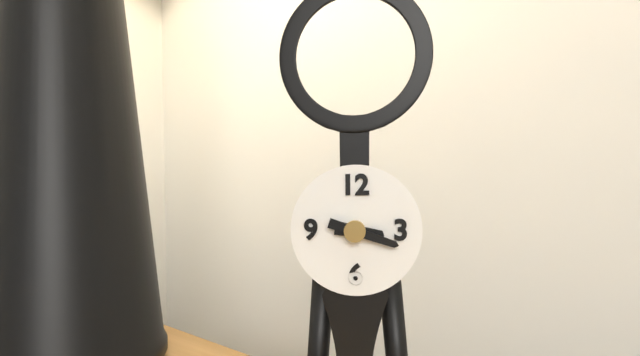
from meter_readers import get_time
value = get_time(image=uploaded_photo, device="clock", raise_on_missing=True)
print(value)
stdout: 3:18
